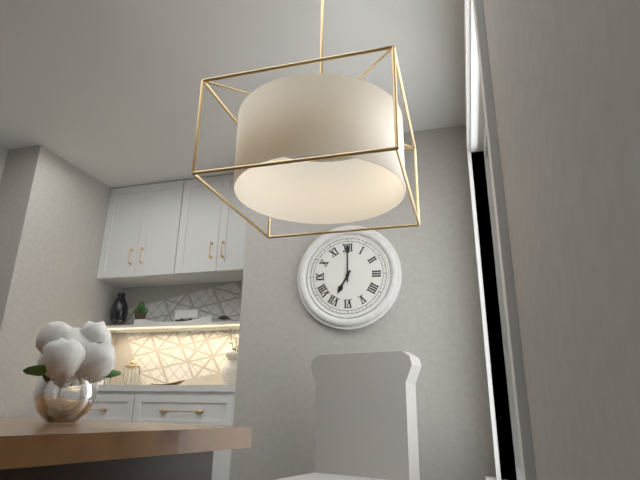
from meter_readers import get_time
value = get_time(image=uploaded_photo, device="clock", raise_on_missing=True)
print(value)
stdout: 7:00
